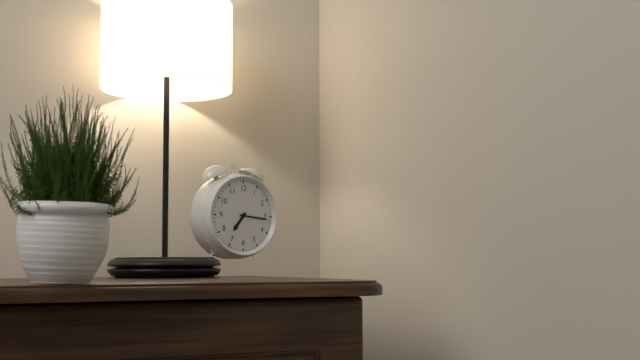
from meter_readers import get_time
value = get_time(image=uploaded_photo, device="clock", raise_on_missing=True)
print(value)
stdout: 7:16
